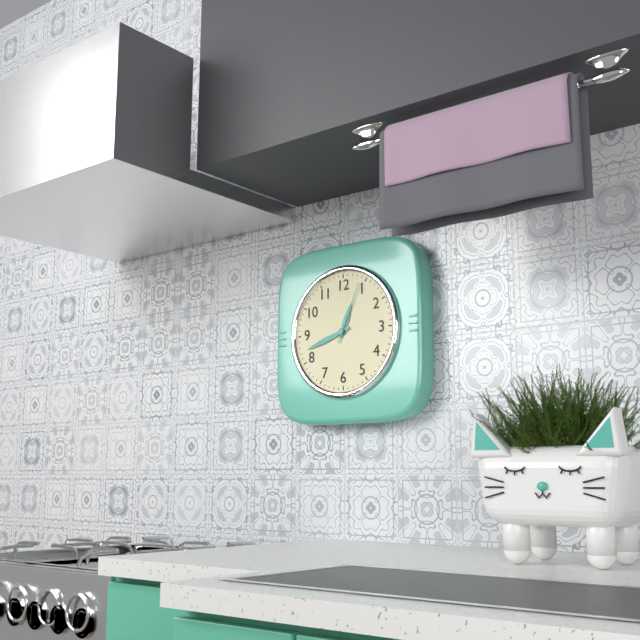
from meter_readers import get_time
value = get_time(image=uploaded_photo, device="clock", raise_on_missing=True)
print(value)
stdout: 12:42:04
